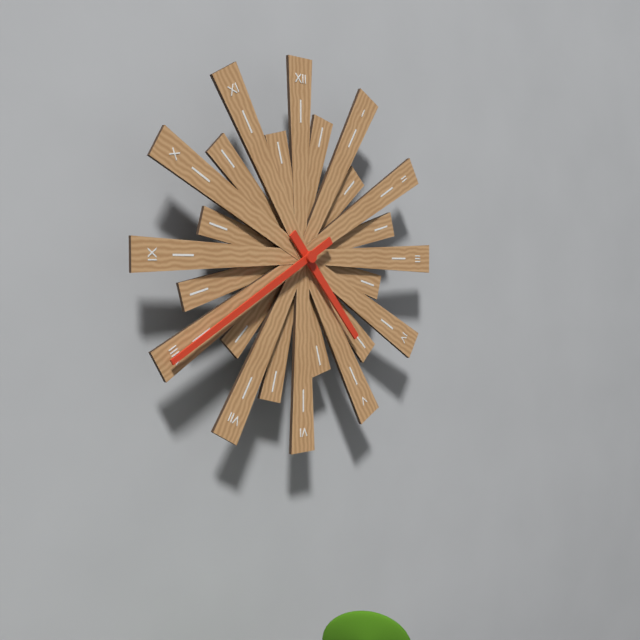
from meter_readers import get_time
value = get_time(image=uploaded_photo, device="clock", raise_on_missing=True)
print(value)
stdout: 4:40
